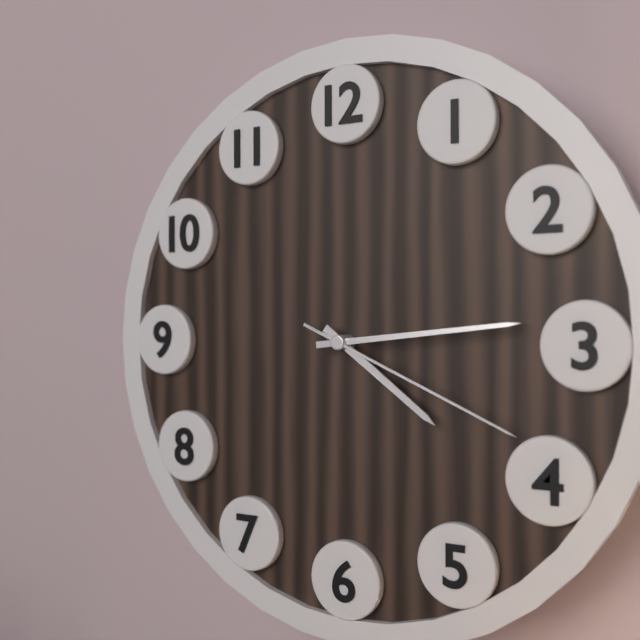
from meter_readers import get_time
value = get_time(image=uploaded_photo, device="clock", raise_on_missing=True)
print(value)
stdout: 4:14:19
